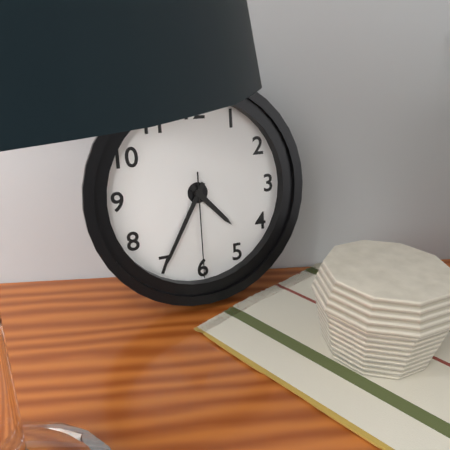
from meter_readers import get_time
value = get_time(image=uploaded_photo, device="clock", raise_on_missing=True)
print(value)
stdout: 4:35:30
